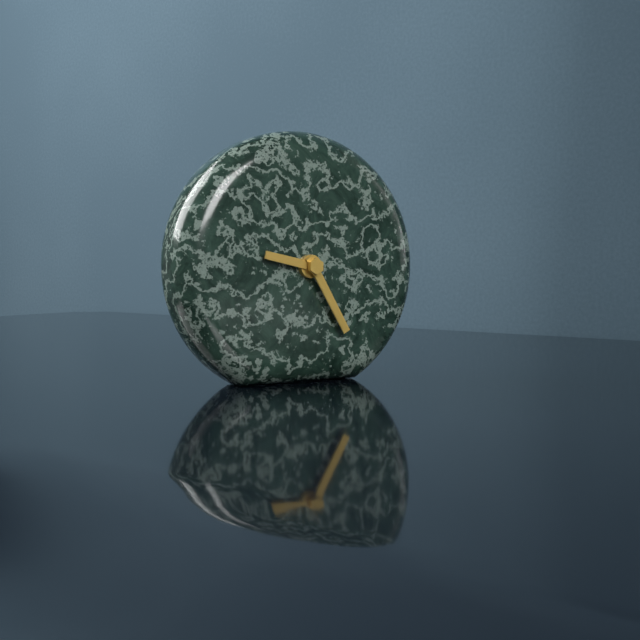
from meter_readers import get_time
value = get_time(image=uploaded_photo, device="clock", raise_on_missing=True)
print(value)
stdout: 9:25
